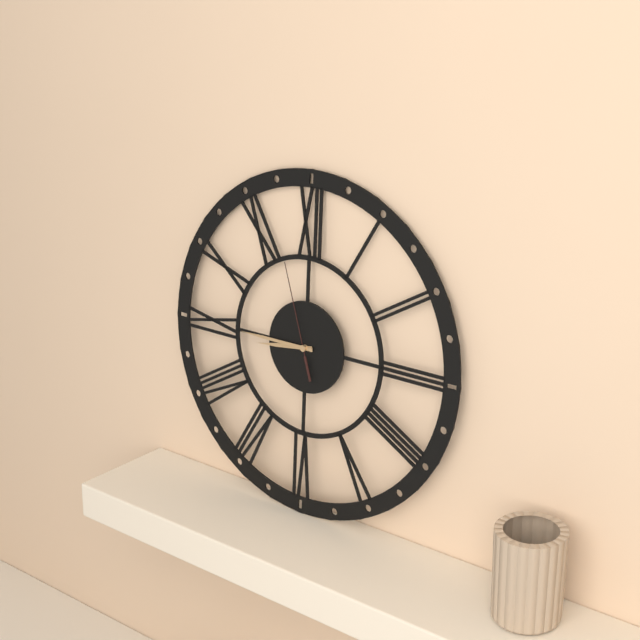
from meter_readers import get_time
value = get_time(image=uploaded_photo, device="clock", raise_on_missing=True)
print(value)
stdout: 8:45:57
